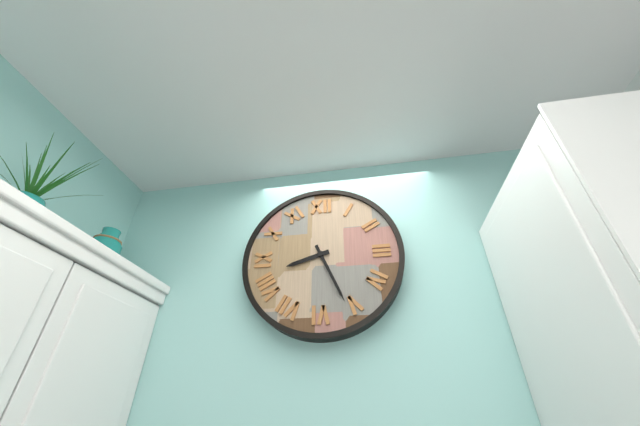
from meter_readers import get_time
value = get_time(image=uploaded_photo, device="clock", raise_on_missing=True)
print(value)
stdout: 8:26
